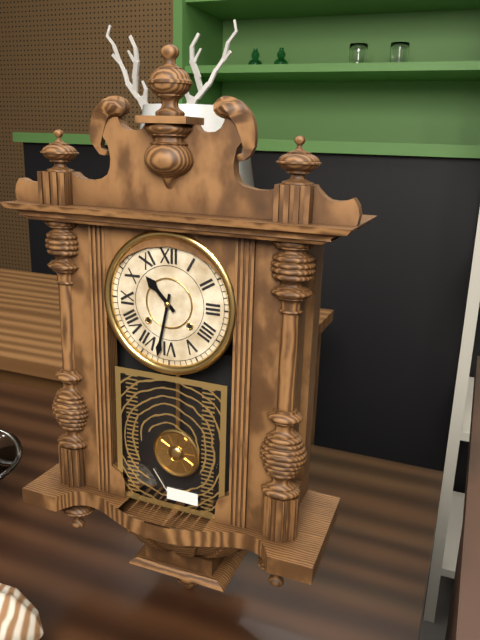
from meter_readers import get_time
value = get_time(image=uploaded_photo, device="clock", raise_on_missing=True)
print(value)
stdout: 10:32
